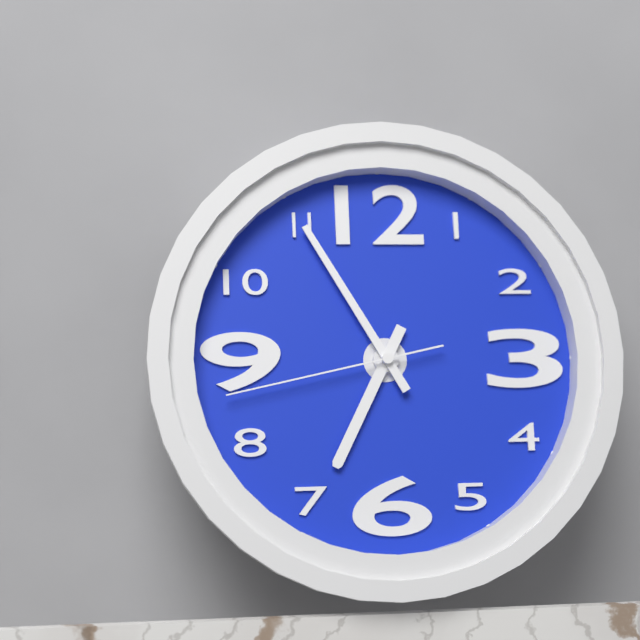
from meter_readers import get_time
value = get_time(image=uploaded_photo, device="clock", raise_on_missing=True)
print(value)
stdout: 6:55:43
